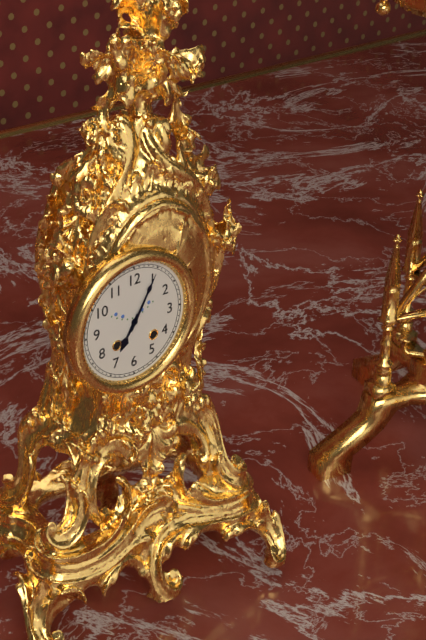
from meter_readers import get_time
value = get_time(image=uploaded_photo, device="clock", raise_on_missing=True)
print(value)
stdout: 7:05
